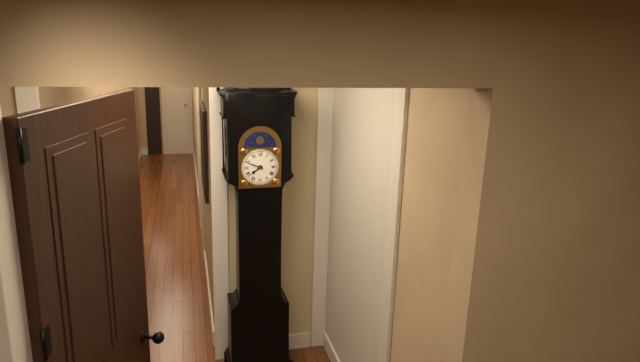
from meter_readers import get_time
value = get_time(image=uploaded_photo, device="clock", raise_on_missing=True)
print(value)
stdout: 7:49
